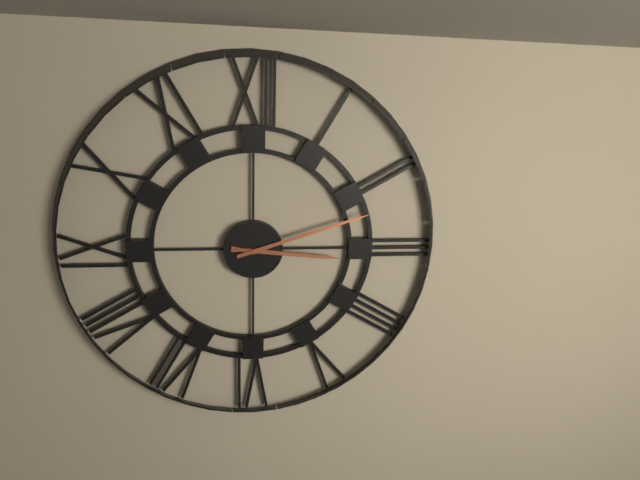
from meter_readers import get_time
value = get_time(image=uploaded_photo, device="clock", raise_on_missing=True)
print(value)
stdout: 3:12
